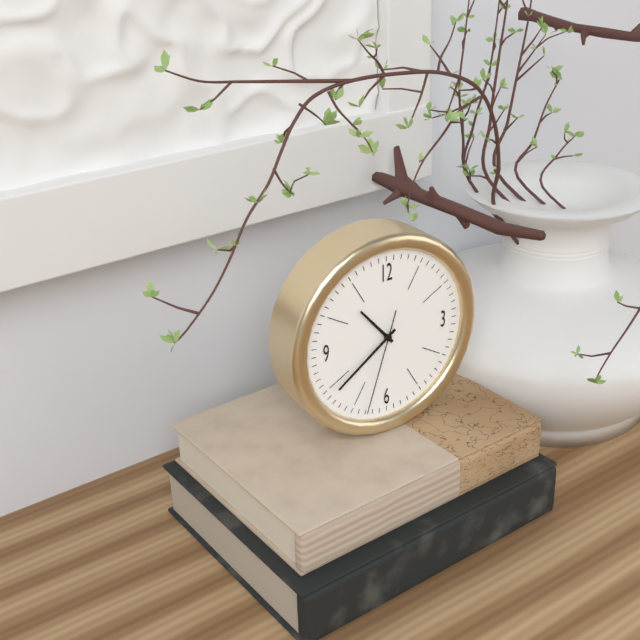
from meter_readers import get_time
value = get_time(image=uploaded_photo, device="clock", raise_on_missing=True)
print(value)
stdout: 10:39:33
